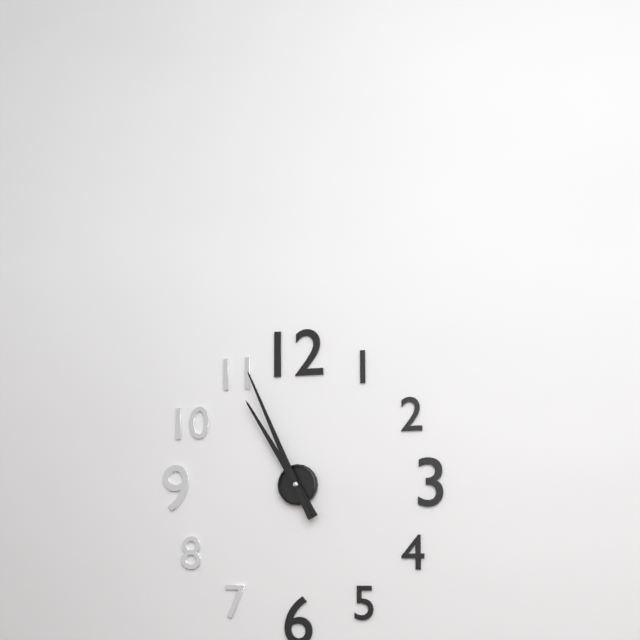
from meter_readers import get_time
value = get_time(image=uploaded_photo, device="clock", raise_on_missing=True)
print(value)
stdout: 10:56
